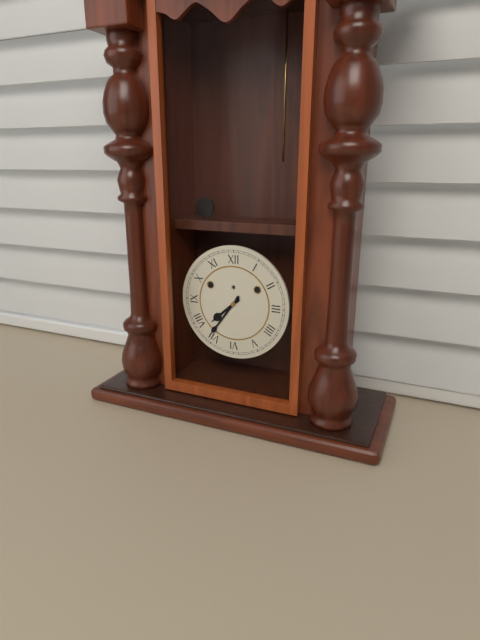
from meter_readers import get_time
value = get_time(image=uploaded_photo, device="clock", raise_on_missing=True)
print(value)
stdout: 7:36
